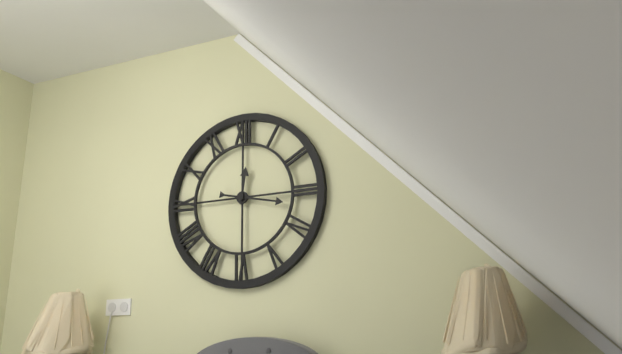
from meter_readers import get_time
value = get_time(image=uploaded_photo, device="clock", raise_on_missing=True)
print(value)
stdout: 12:17
